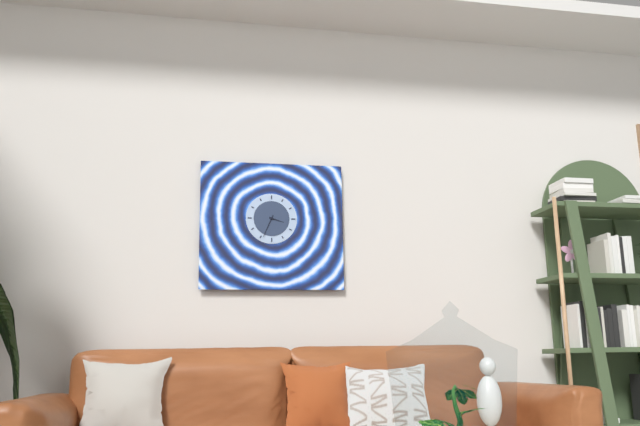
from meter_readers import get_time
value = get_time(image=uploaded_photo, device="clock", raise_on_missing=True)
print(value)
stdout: 3:34
